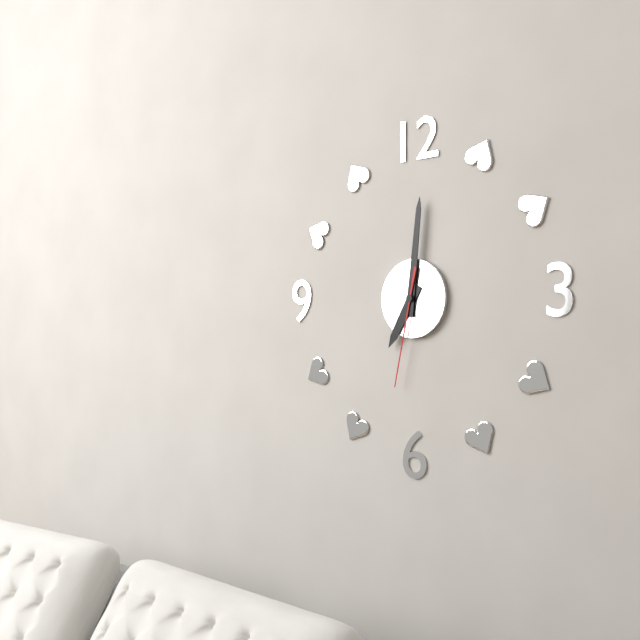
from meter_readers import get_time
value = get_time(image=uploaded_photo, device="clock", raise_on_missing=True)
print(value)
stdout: 7:01:32
